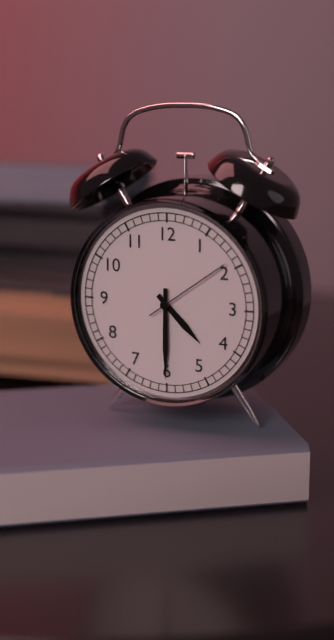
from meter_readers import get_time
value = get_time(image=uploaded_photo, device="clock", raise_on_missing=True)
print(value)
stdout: 4:30:09
